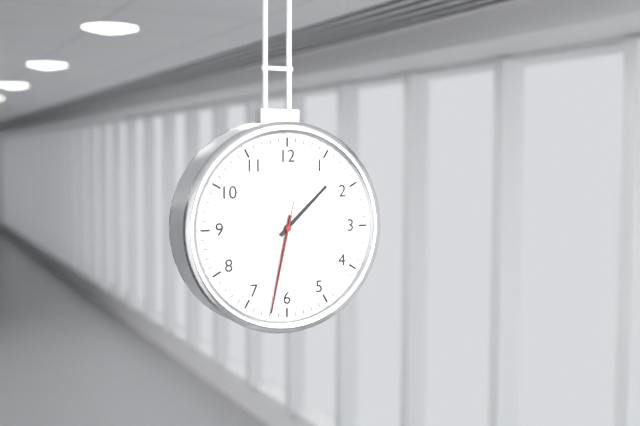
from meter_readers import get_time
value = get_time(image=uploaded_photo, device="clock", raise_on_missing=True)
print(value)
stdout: 1:32:32
